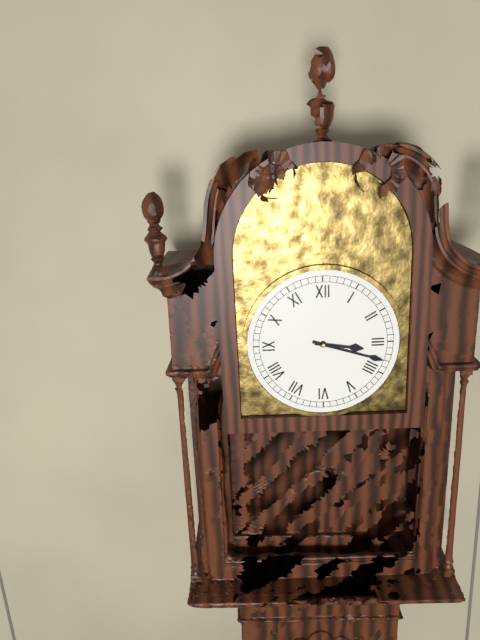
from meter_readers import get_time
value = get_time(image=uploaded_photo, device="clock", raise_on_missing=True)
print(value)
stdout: 3:18
